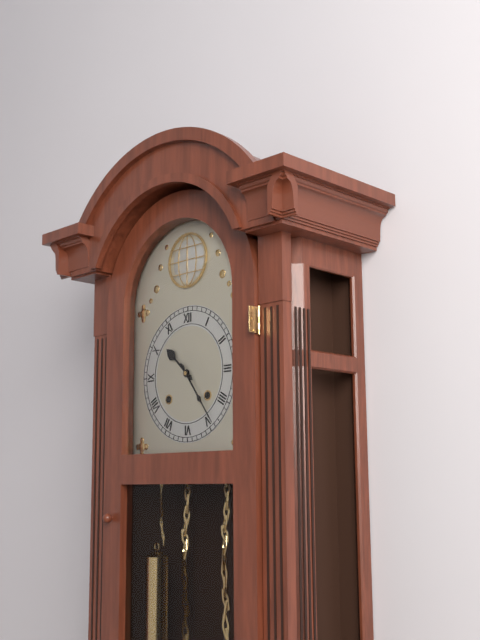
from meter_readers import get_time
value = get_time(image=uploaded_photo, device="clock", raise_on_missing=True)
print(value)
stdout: 10:24
